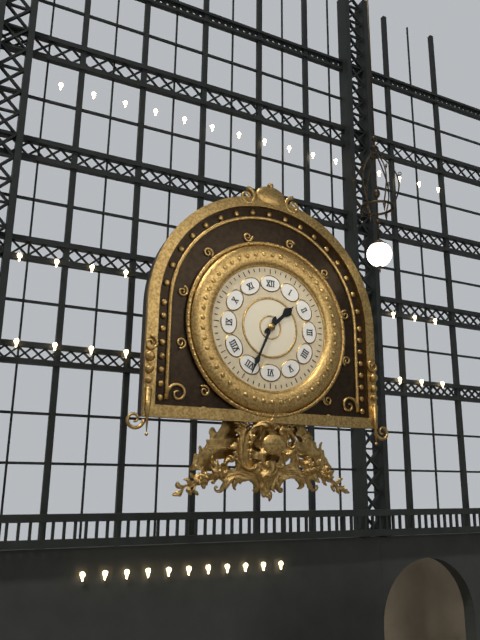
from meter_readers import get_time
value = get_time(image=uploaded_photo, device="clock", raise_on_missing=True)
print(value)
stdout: 1:34
